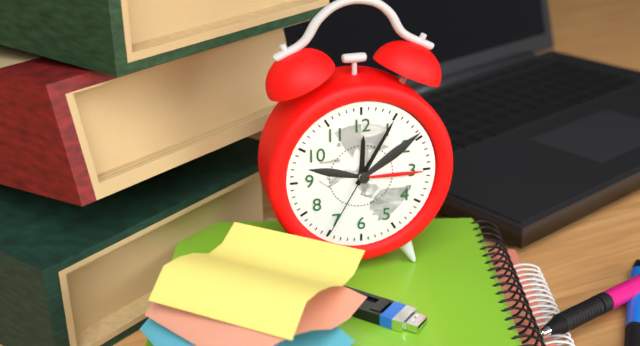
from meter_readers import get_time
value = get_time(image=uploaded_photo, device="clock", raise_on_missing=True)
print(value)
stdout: 12:05:35
